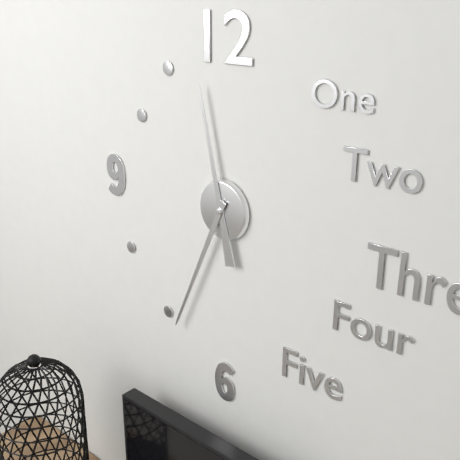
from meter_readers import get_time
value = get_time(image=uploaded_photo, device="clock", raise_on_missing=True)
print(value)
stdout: 11:34
